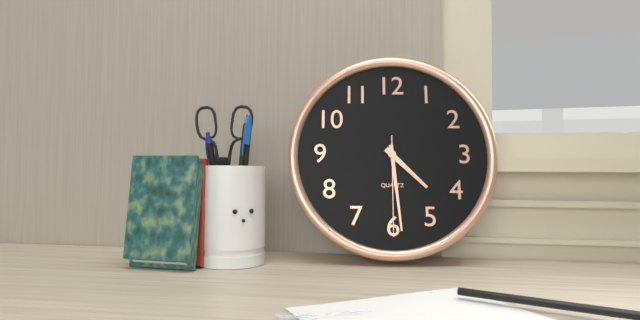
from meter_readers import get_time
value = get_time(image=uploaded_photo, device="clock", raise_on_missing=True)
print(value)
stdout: 4:29:30
